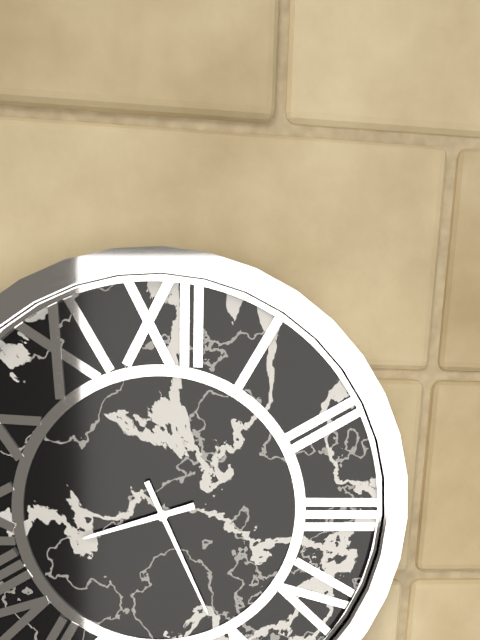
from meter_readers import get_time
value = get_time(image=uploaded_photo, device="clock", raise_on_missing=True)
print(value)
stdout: 8:26
